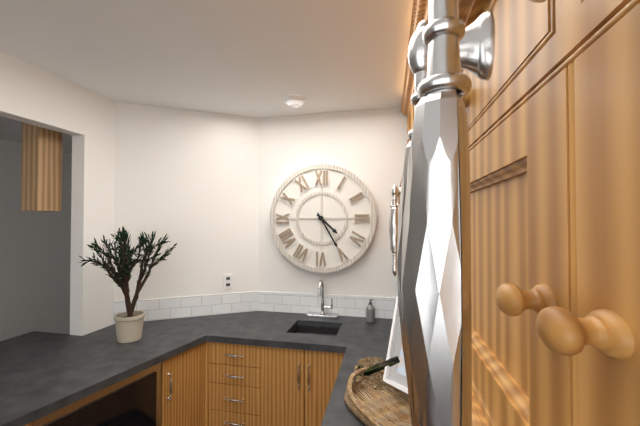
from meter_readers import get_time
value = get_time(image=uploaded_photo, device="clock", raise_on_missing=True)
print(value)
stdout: 4:25
